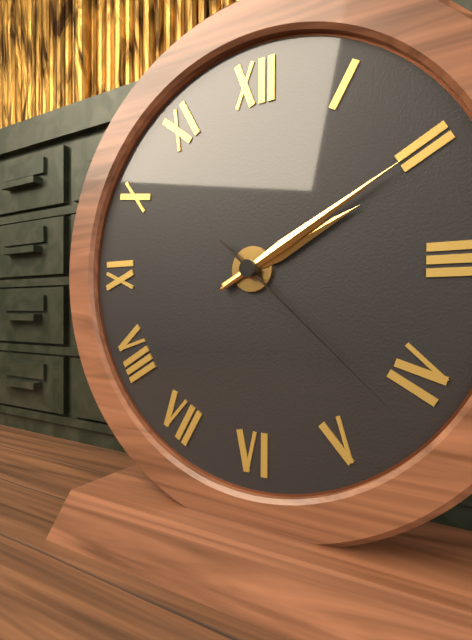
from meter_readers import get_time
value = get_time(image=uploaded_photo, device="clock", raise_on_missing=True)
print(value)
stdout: 2:10:22
